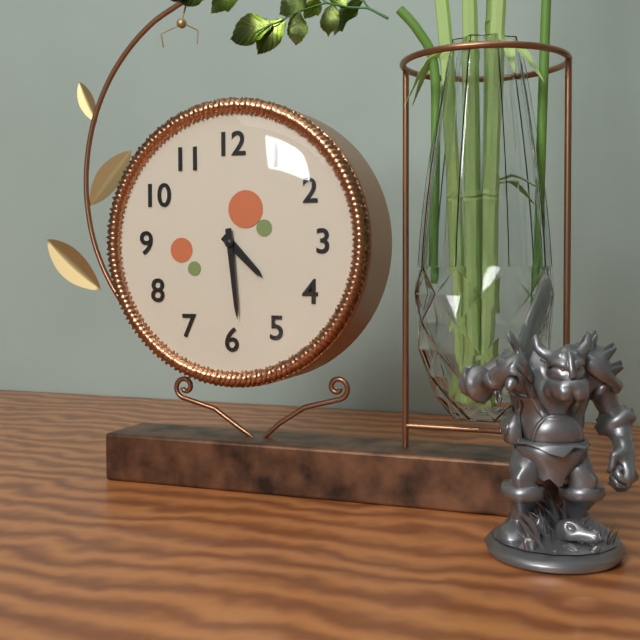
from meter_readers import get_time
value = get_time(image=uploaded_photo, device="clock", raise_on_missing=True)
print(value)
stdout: 4:29
